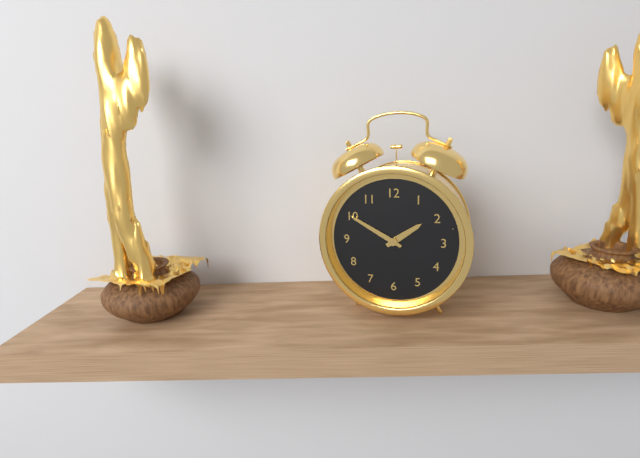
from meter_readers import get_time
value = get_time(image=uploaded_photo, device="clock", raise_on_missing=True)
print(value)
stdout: 1:50
